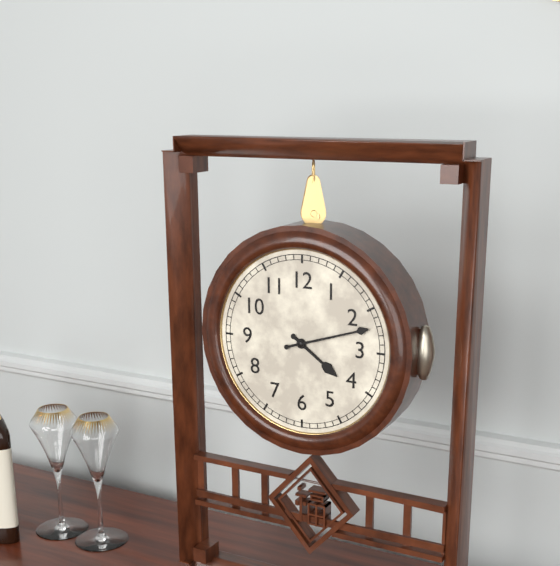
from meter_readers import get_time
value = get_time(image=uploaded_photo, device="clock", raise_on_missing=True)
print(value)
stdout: 4:12
